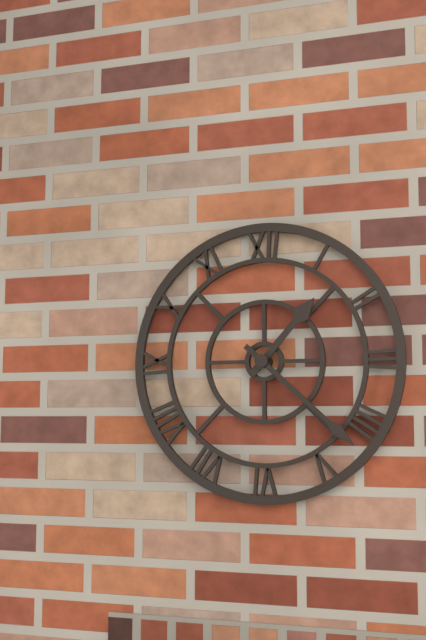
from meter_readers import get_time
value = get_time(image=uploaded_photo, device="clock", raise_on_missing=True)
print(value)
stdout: 1:22
